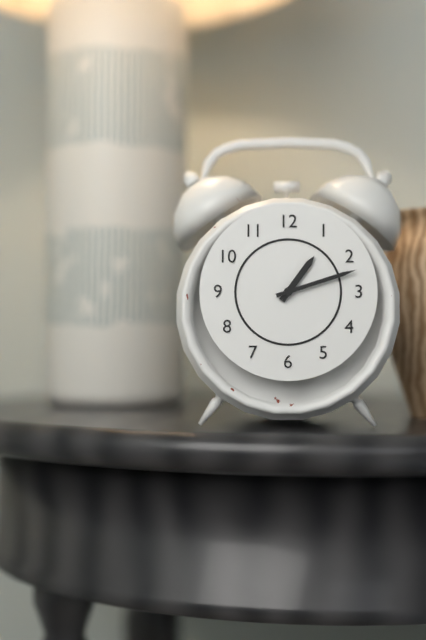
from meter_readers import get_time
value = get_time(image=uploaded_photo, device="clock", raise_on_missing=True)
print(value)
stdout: 1:12
